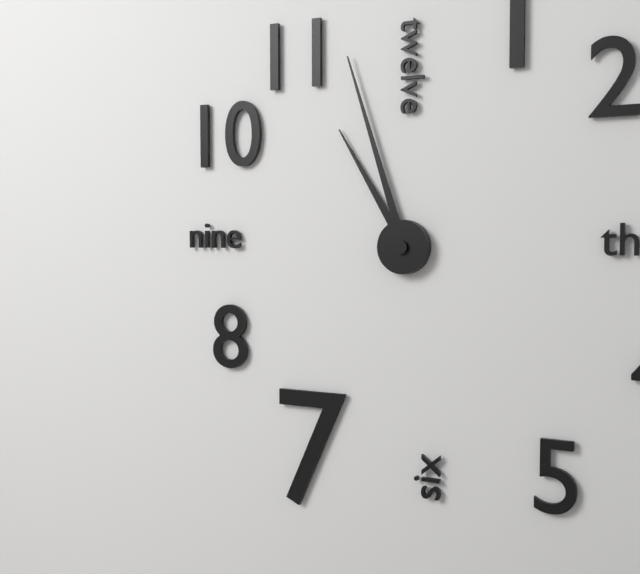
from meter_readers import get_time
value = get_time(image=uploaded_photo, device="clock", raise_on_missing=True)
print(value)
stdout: 10:57
